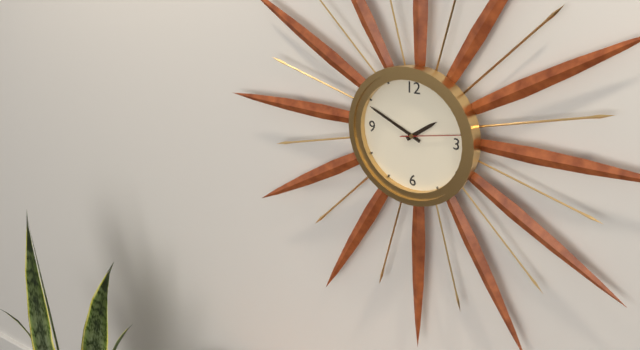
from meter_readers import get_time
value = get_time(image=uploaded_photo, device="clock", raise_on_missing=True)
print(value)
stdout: 1:49:13
